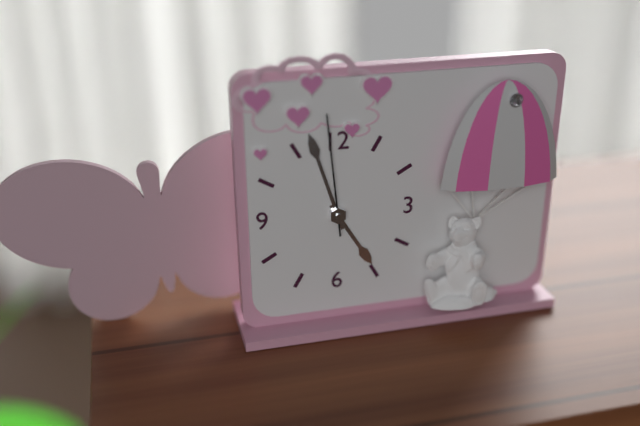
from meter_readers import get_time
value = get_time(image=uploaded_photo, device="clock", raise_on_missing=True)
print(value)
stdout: 4:57:59
